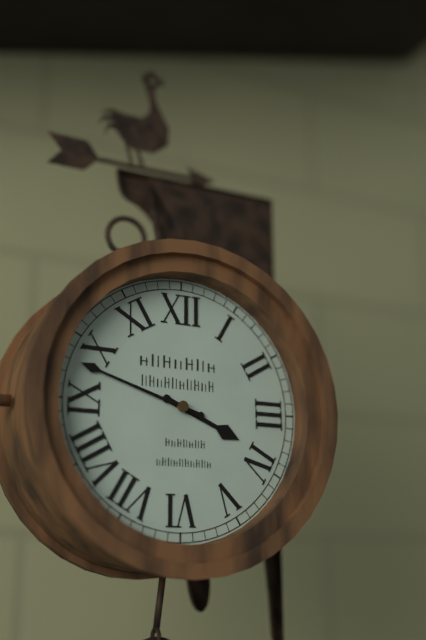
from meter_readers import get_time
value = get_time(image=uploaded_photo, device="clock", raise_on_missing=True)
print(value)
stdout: 3:48
